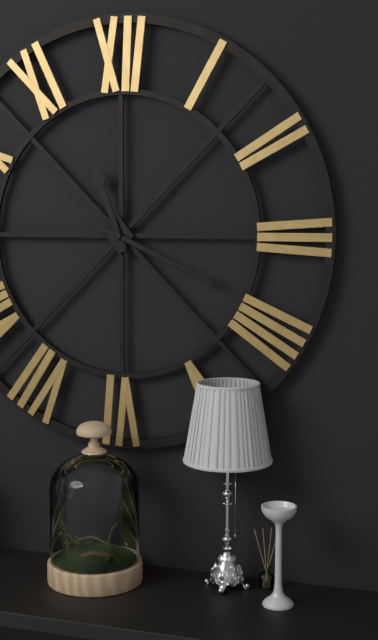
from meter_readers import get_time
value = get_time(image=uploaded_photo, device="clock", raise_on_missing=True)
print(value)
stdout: 11:19
